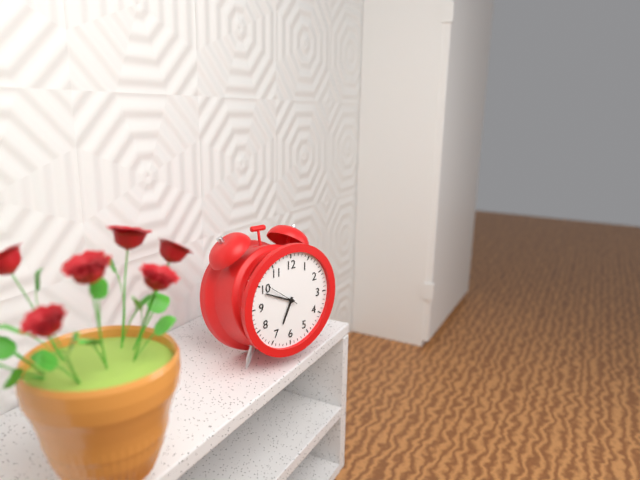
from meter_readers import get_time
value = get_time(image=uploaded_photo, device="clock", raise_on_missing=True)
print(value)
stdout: 6:49
